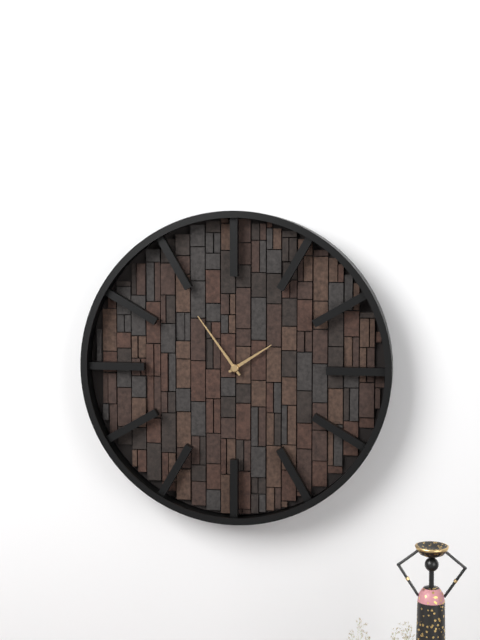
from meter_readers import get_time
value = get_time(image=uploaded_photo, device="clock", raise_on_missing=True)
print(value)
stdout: 1:54
